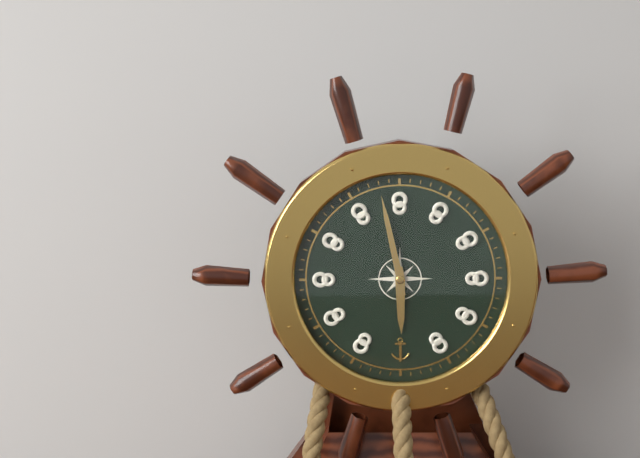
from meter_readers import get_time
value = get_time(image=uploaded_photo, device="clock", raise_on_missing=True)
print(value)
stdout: 5:58
